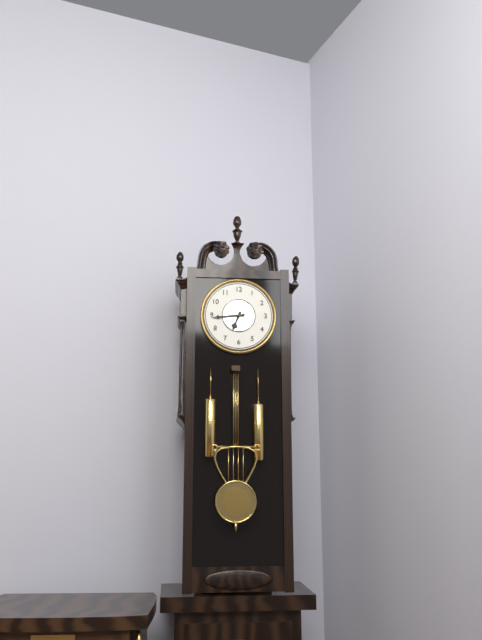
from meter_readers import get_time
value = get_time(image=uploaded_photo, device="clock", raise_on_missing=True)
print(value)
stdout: 6:44
